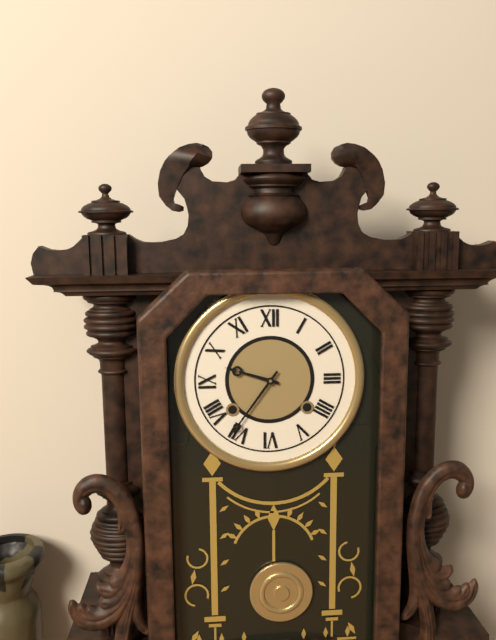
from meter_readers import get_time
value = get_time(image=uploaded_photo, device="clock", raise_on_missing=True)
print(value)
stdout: 9:36
